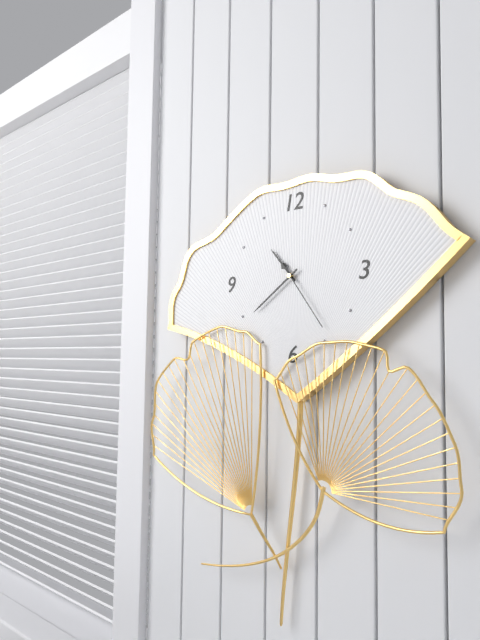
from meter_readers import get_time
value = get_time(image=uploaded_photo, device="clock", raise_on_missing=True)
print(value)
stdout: 10:39:24
